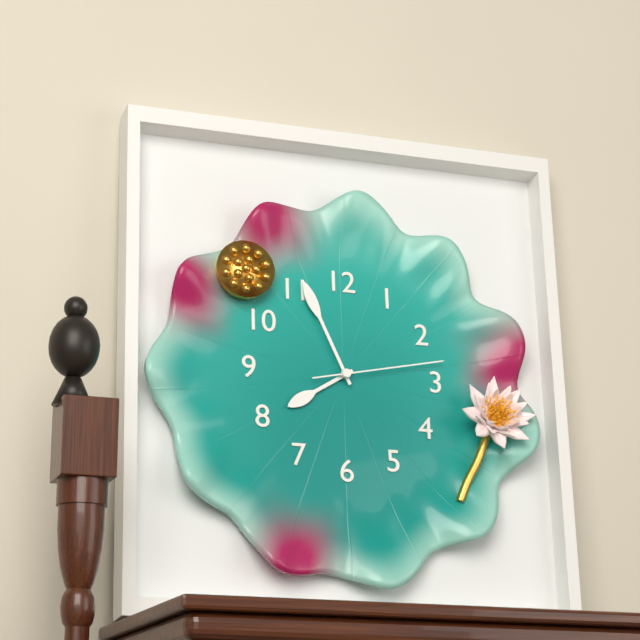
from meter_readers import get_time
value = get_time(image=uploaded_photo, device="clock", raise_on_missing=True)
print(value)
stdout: 7:56:13
